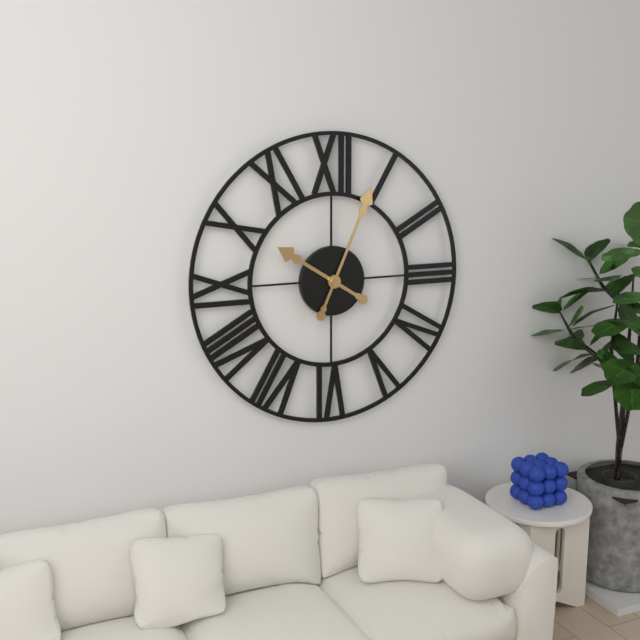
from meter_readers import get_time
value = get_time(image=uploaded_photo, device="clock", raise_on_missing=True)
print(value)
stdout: 10:04
